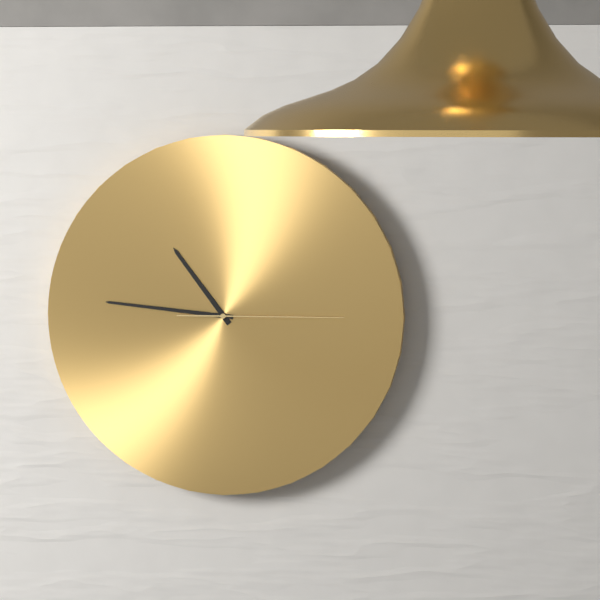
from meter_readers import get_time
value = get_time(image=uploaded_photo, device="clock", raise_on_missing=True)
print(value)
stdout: 10:46:15
